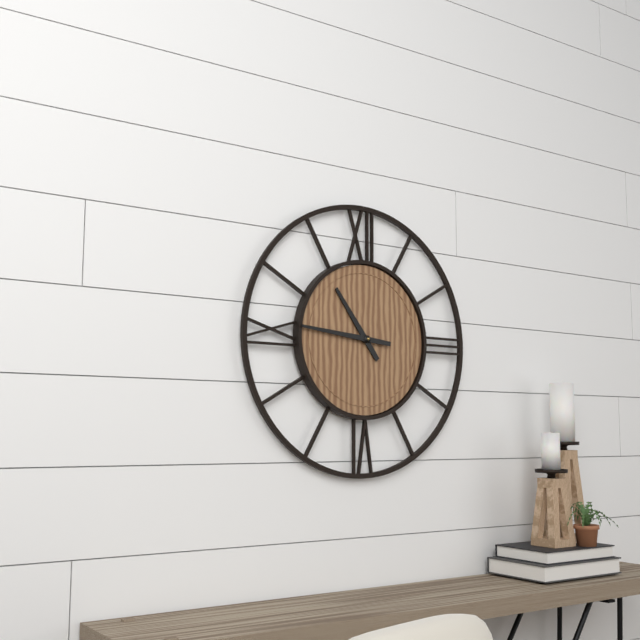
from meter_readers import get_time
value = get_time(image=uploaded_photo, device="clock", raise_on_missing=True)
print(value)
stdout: 10:46
